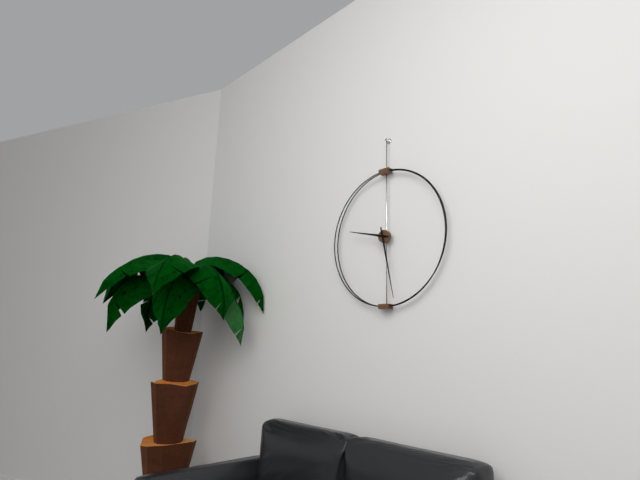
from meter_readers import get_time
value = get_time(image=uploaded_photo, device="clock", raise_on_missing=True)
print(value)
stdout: 9:28
